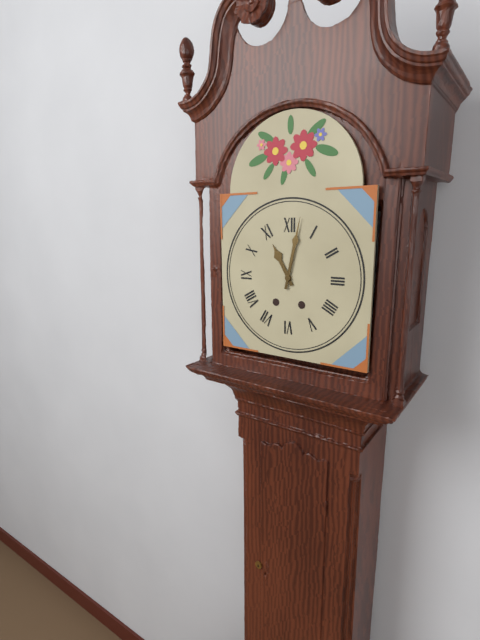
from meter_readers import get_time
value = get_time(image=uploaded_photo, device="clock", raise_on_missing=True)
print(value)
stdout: 11:02
